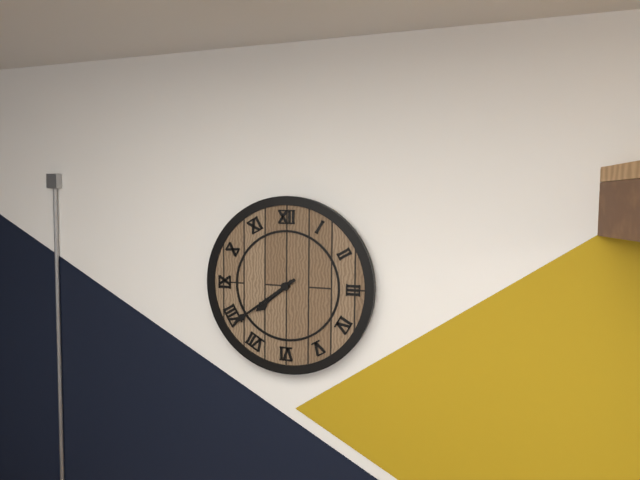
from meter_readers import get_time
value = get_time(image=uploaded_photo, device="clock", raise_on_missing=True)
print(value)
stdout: 7:39
